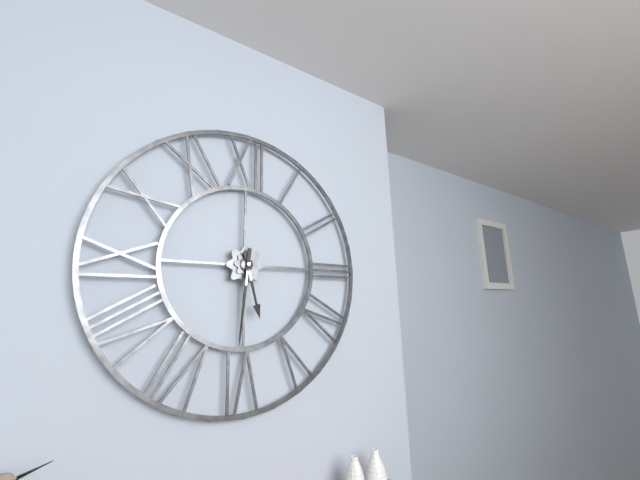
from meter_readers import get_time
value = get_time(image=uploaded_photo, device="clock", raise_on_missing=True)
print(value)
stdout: 5:31
